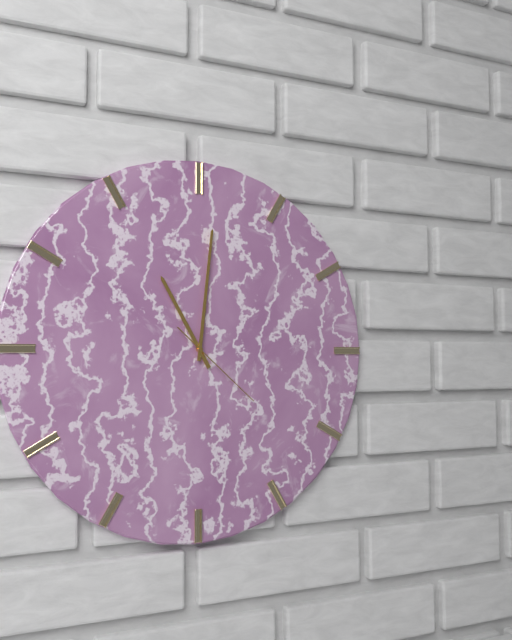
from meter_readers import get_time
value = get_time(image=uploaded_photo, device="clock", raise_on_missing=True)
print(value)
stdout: 11:01:22
